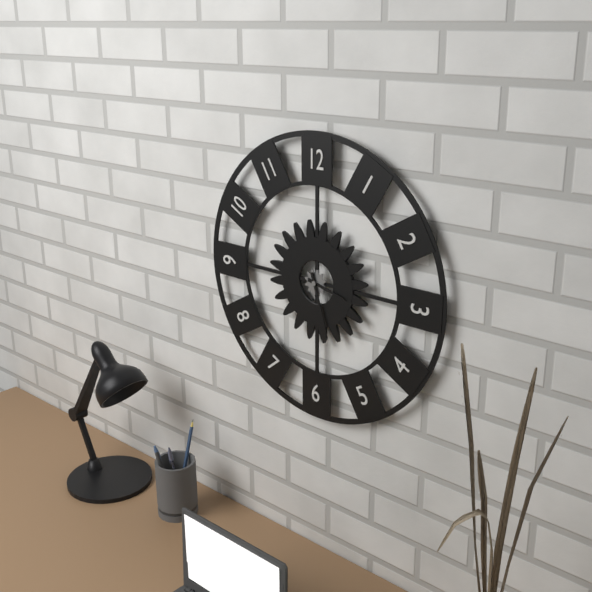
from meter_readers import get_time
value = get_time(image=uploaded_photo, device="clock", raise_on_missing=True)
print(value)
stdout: 3:27
